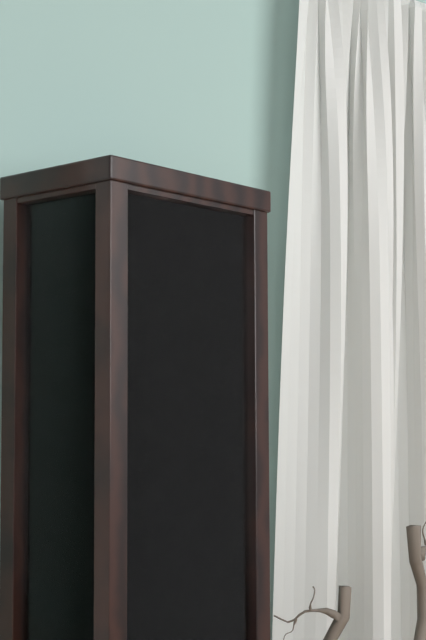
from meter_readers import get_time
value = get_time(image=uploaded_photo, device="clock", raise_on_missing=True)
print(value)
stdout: 2:45
